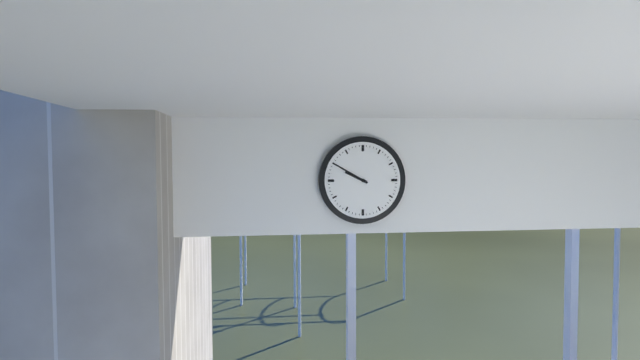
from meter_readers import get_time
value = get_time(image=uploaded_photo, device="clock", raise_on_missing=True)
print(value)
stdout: 9:50
